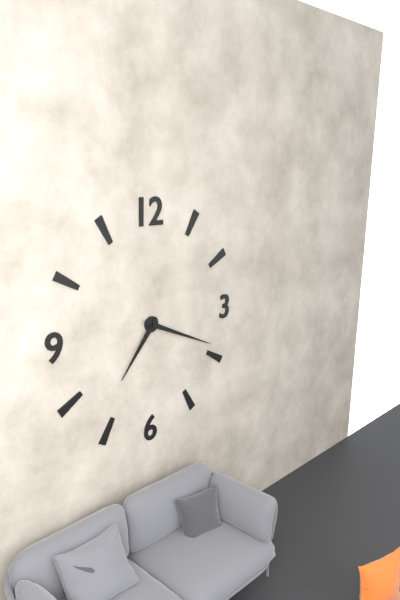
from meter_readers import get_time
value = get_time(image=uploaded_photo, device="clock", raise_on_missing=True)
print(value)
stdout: 7:19
